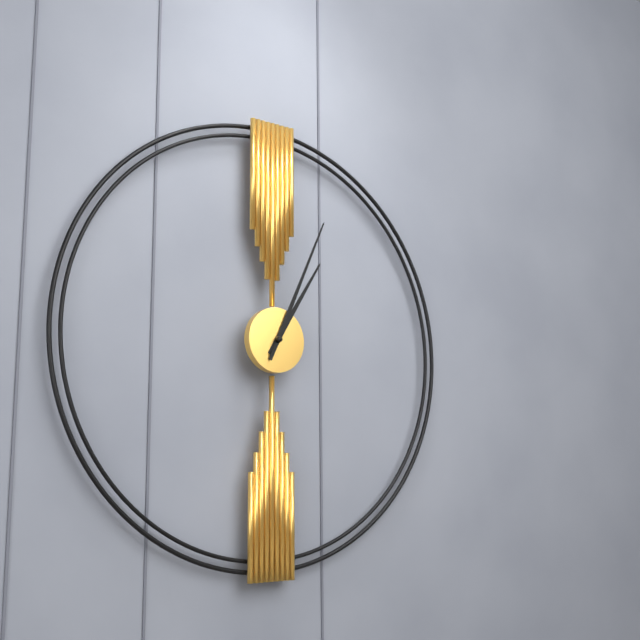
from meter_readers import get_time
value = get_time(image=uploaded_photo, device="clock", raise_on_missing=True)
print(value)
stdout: 1:04
